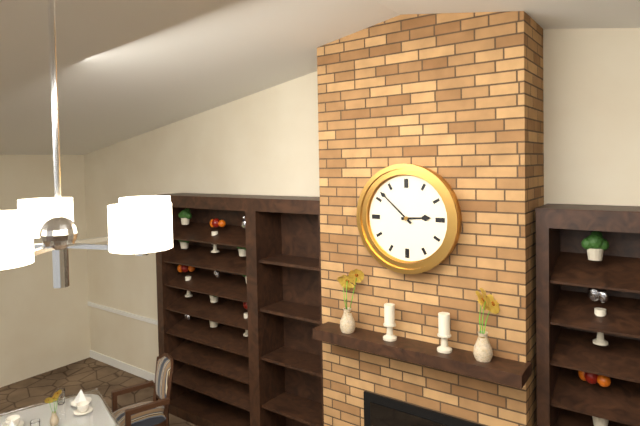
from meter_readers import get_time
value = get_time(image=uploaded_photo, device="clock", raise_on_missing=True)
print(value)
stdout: 2:52
